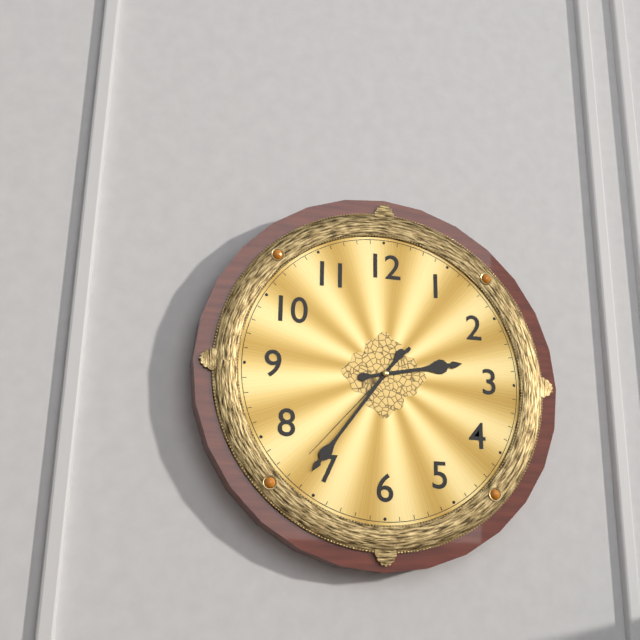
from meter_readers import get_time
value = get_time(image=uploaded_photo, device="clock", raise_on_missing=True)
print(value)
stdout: 2:36:37
